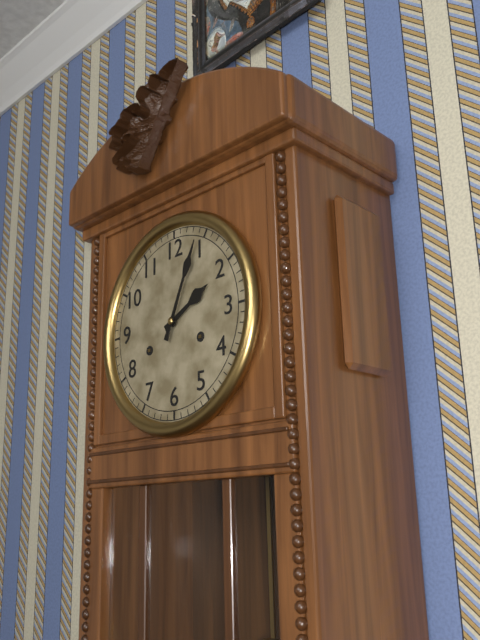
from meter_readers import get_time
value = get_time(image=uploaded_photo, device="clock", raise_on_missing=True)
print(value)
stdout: 2:04
